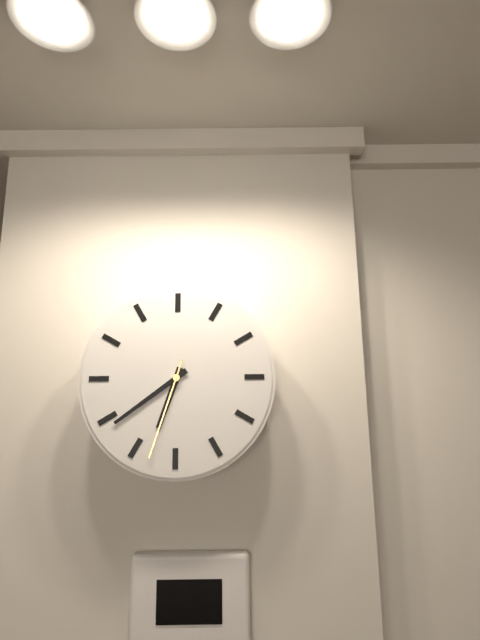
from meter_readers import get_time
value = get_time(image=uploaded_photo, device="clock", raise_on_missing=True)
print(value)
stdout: 6:39:33
